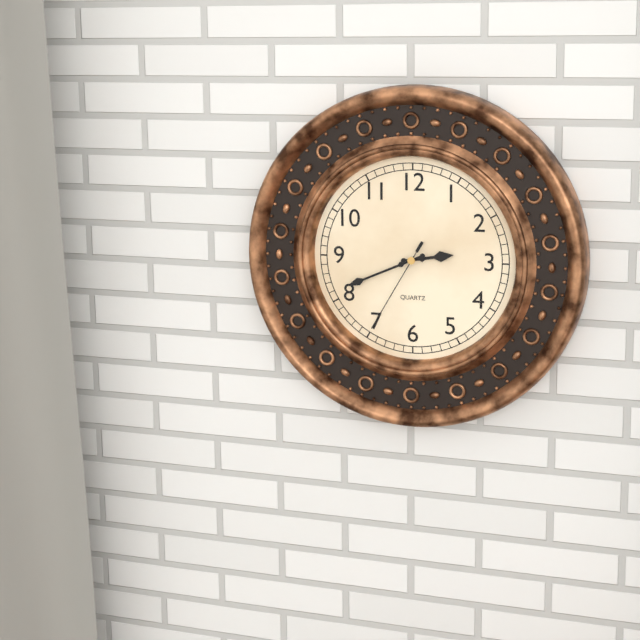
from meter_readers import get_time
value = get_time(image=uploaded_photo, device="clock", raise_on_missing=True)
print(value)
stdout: 2:41:35
